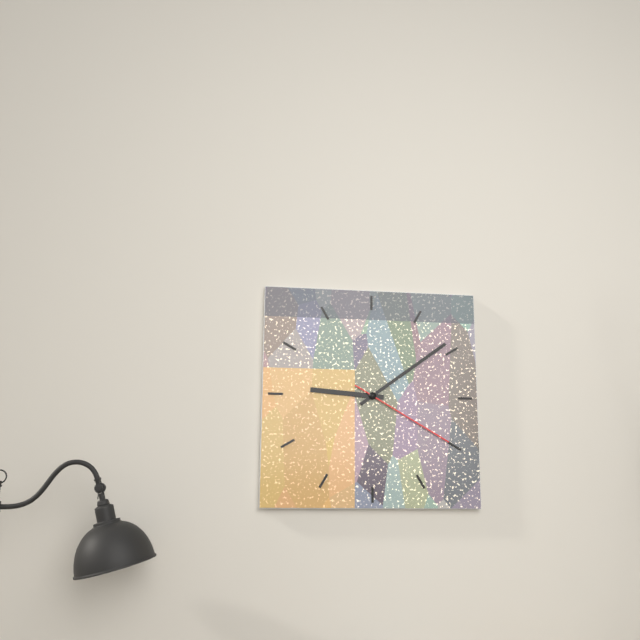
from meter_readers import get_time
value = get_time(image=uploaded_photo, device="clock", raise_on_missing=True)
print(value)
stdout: 9:09:20
